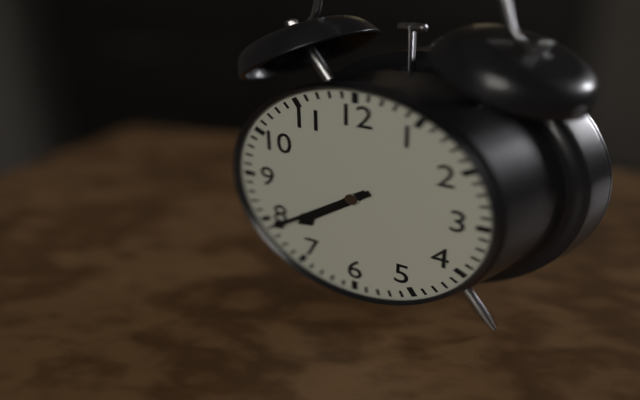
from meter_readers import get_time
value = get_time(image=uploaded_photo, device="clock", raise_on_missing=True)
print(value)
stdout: 7:39
